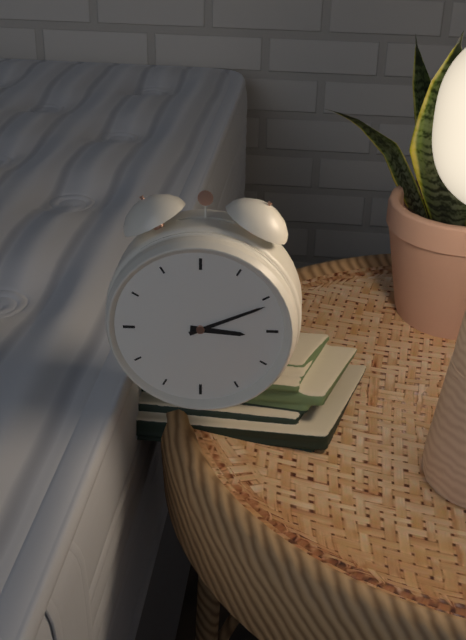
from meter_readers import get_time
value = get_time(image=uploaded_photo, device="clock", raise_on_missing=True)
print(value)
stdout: 3:11
